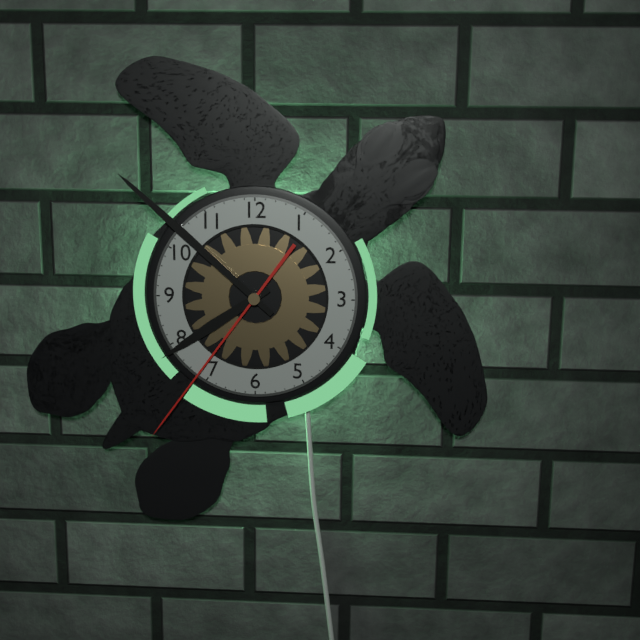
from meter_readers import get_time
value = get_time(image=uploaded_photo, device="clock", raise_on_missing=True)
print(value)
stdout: 7:52:36
